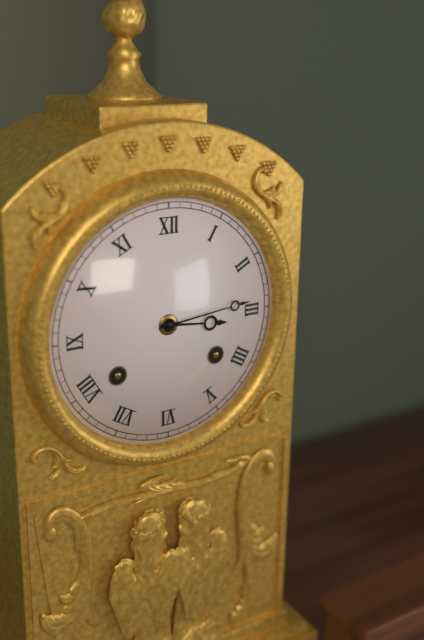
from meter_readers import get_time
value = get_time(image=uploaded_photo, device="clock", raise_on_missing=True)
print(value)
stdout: 3:14
